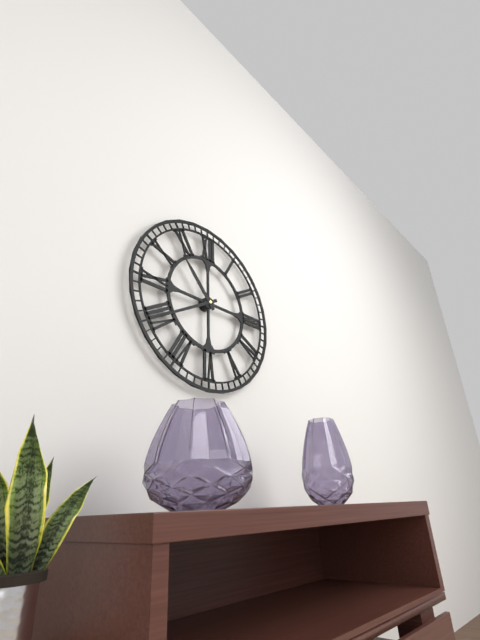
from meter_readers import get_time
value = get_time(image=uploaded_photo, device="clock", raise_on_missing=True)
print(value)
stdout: 10:40
